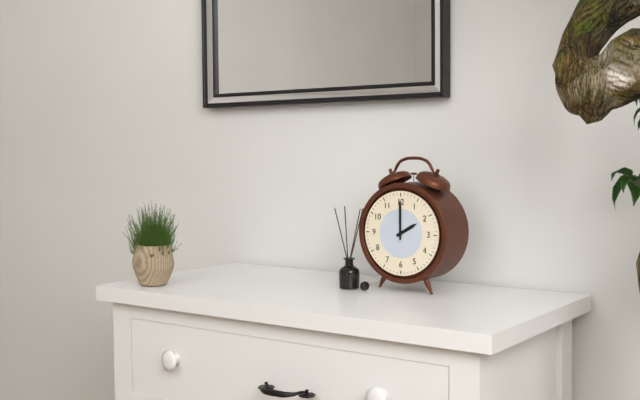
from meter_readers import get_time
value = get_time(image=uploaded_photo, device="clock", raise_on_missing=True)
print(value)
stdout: 2:00
